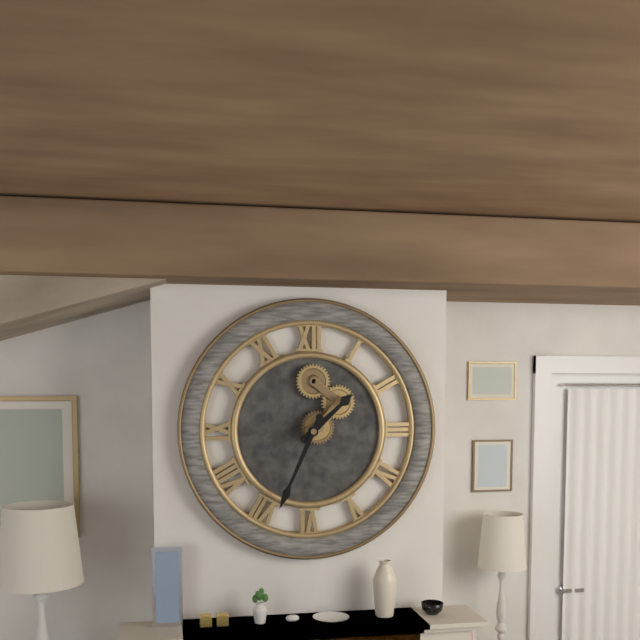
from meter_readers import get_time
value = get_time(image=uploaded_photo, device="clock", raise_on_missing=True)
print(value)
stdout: 1:34
